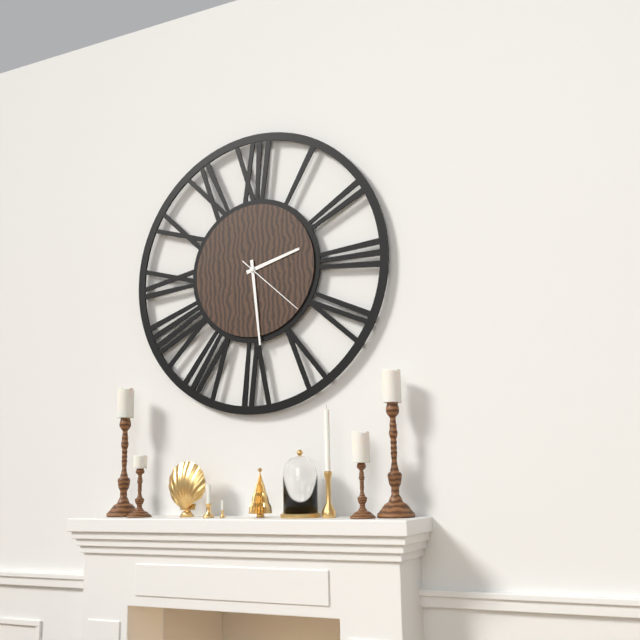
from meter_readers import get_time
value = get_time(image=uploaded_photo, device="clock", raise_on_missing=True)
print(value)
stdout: 2:29:22
